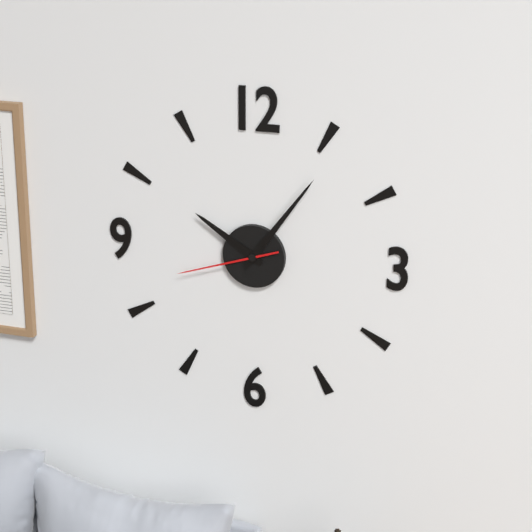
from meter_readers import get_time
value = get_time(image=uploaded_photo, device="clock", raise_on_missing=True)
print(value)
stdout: 10:06:42
